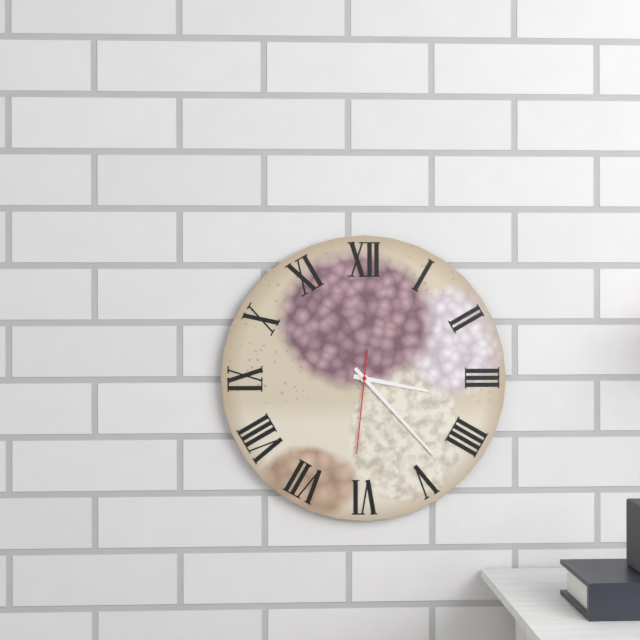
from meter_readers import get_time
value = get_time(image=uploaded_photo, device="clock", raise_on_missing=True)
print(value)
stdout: 3:23:31
